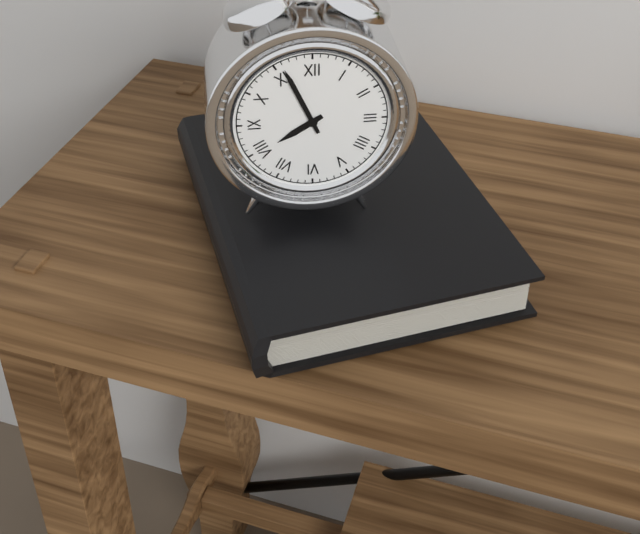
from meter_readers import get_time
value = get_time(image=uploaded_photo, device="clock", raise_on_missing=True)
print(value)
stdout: 7:56
